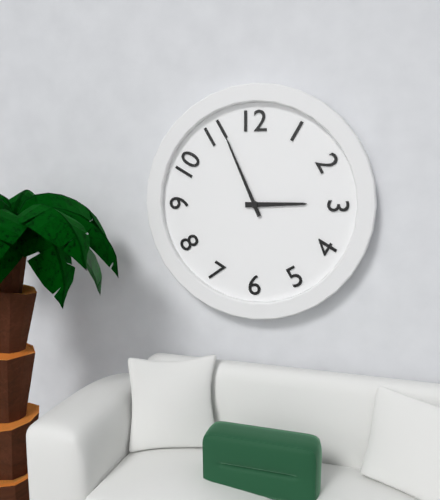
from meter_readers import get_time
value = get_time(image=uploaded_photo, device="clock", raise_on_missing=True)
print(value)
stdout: 2:56
